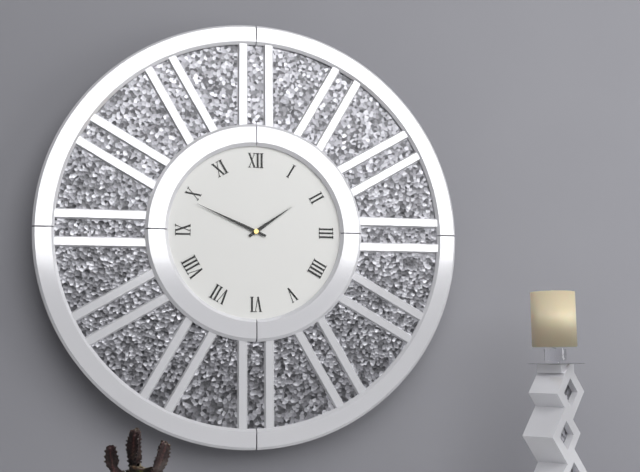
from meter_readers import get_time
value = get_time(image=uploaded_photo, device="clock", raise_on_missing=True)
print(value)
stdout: 1:49
